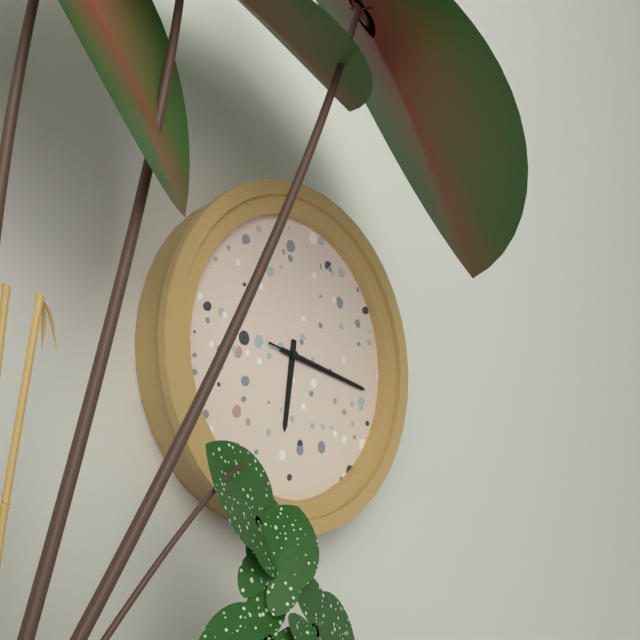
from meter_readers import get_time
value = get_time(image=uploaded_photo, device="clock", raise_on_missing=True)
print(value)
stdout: 6:17:17
